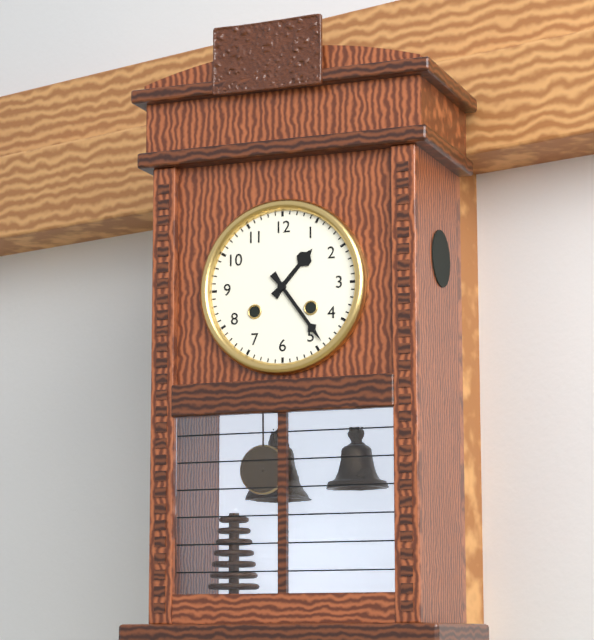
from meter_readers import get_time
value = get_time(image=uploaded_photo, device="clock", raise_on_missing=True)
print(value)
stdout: 1:24
